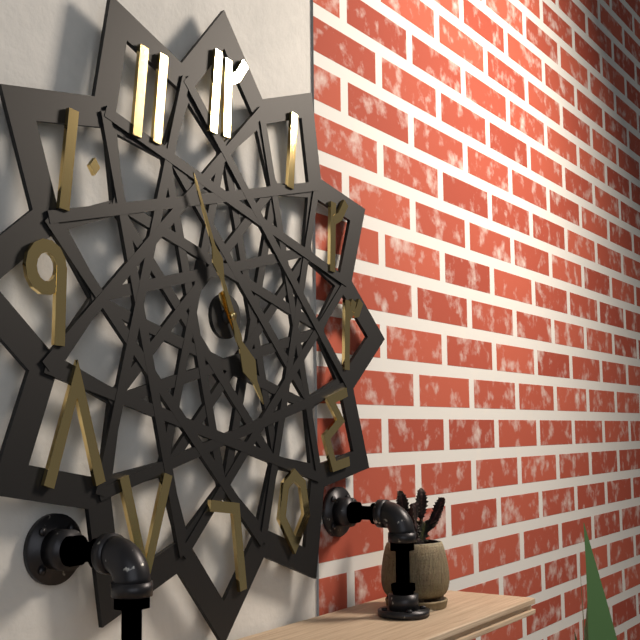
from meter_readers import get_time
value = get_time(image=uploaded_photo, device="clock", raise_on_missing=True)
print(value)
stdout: 4:56
